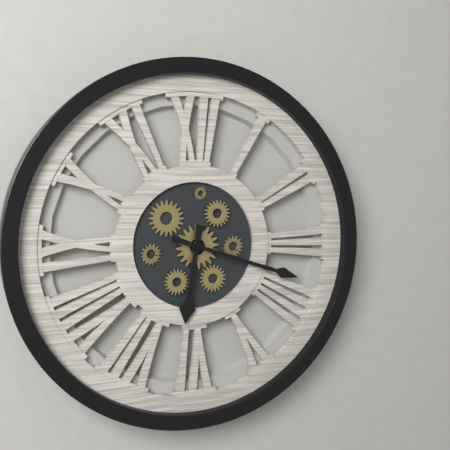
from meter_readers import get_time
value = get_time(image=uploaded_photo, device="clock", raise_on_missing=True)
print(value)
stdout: 6:18
